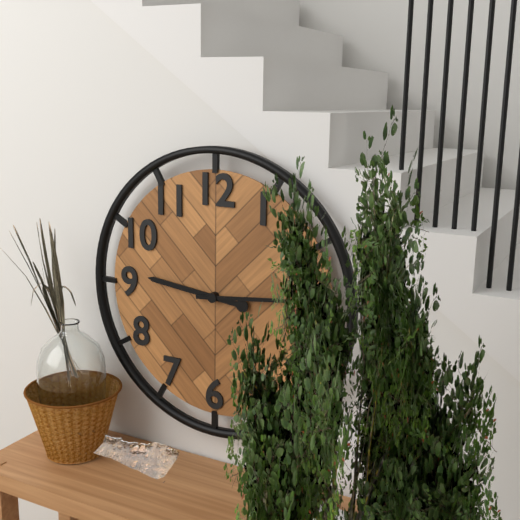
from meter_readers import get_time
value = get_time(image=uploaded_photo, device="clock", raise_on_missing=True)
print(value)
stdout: 9:14
